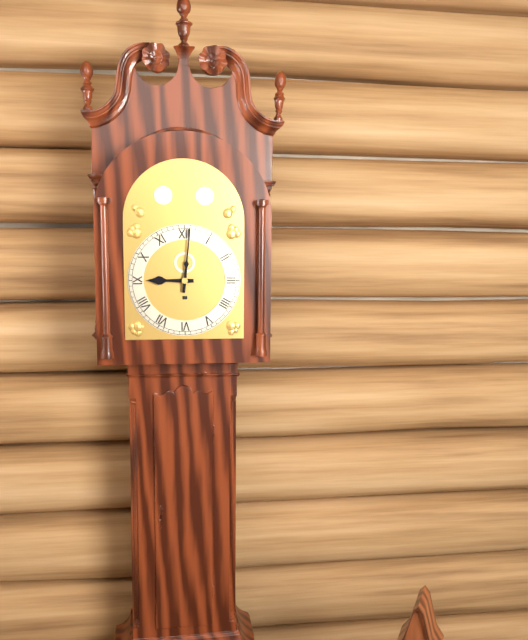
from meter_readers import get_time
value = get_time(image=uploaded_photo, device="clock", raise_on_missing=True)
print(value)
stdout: 9:01
